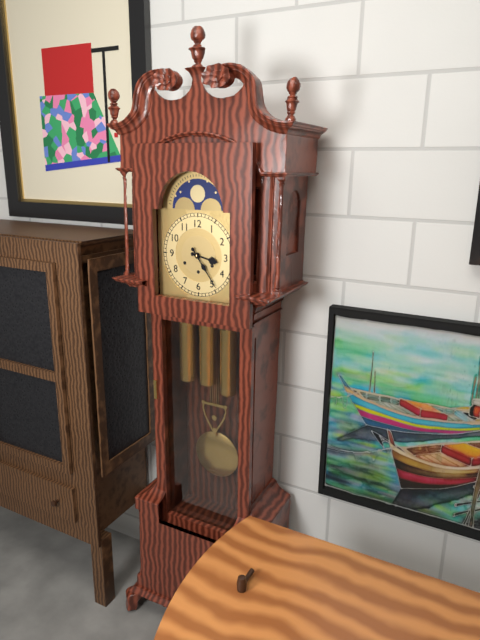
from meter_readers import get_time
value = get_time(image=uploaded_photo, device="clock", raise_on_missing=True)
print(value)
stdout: 3:24
